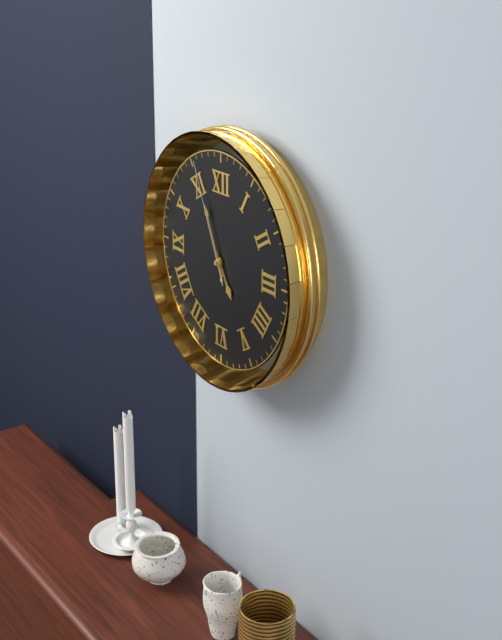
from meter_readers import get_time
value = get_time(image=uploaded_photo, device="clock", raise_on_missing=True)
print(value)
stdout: 4:56:56
